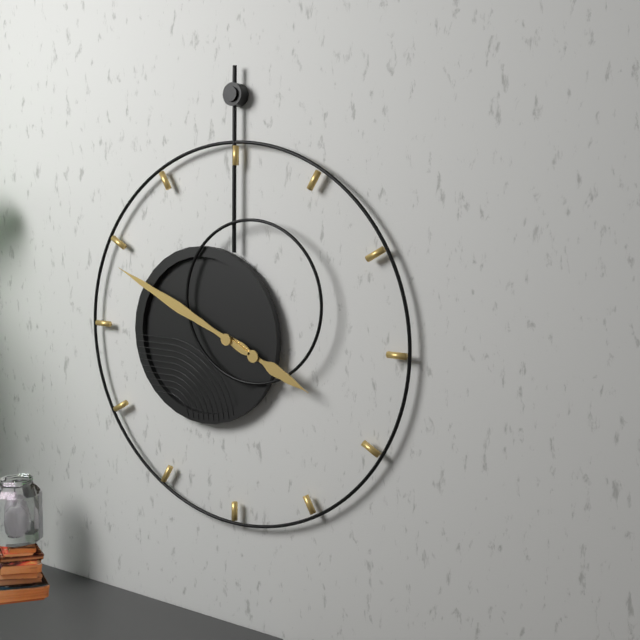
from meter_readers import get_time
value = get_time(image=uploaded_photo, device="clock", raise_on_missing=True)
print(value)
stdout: 3:49
